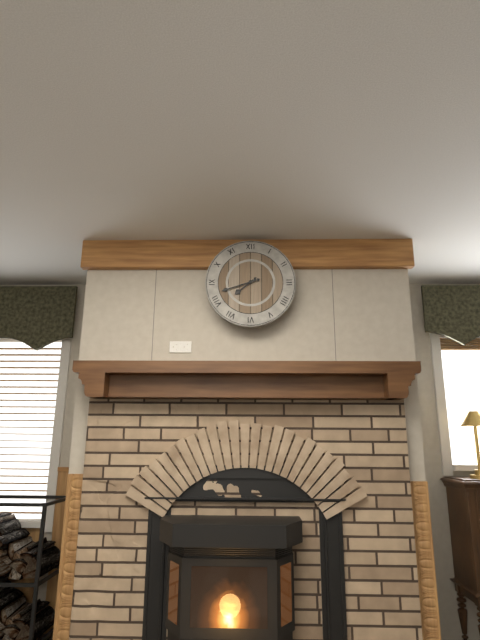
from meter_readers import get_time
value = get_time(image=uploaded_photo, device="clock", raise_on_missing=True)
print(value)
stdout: 7:42
